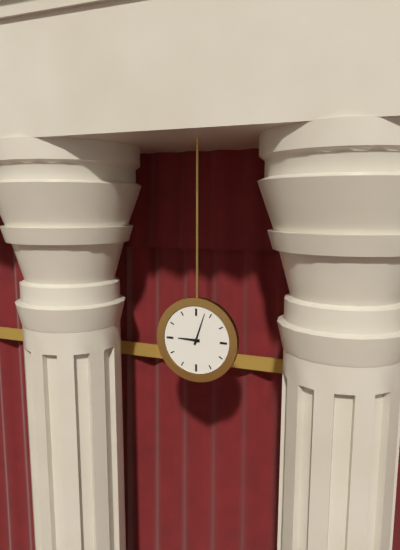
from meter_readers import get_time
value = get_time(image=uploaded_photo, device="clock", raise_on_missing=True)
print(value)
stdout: 9:03
